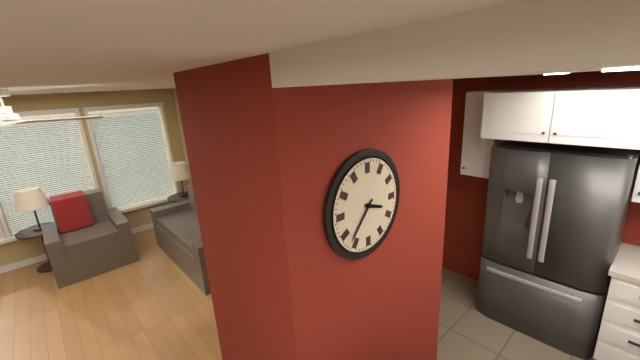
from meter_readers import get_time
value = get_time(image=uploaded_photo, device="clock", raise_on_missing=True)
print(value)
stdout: 3:37
